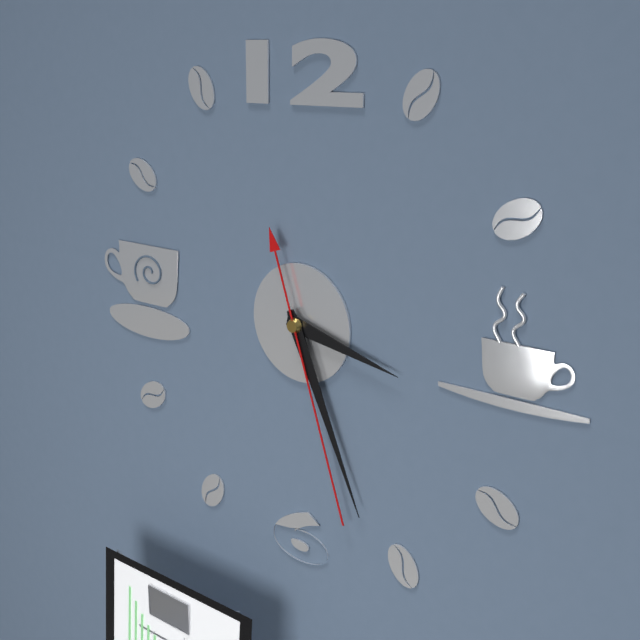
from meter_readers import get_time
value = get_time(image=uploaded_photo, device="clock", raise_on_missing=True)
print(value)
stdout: 3:26:27
